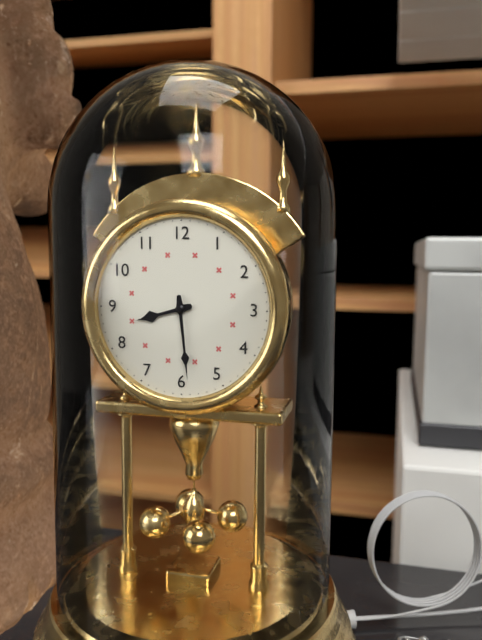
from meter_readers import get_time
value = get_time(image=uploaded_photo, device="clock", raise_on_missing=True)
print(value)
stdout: 8:29
